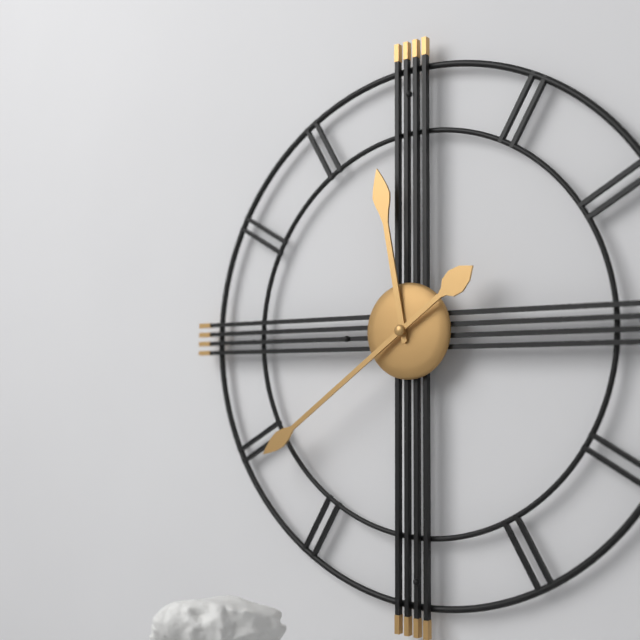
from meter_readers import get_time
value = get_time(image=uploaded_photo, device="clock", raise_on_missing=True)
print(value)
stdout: 11:39
